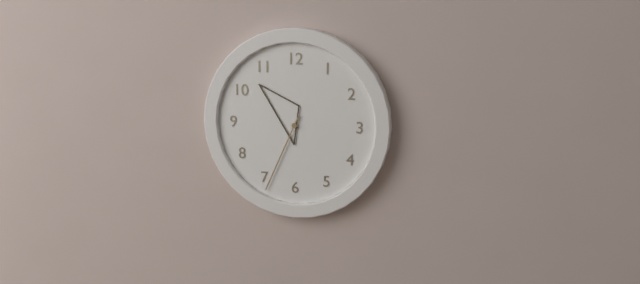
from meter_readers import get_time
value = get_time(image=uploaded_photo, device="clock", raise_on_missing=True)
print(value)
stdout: 10:34
